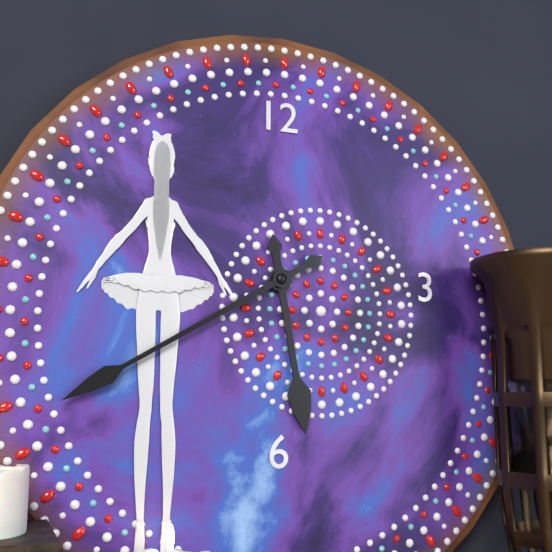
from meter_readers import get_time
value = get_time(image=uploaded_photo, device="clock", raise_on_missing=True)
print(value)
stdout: 5:40
